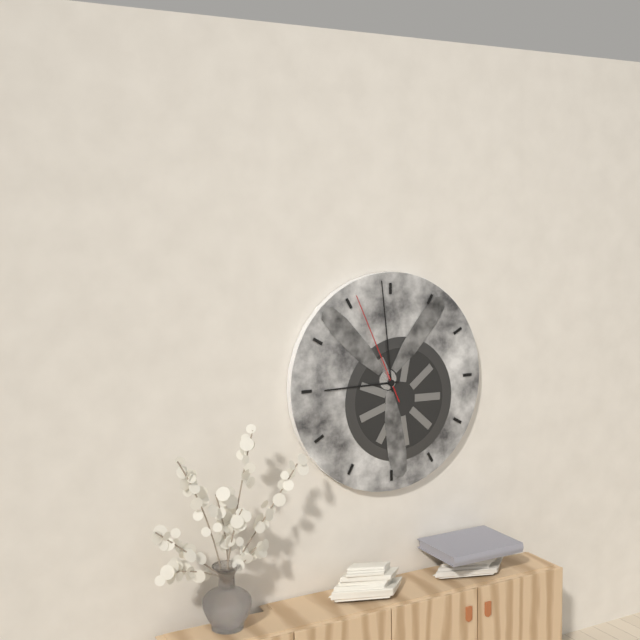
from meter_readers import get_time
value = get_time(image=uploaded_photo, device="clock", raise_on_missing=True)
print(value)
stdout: 8:59:56
